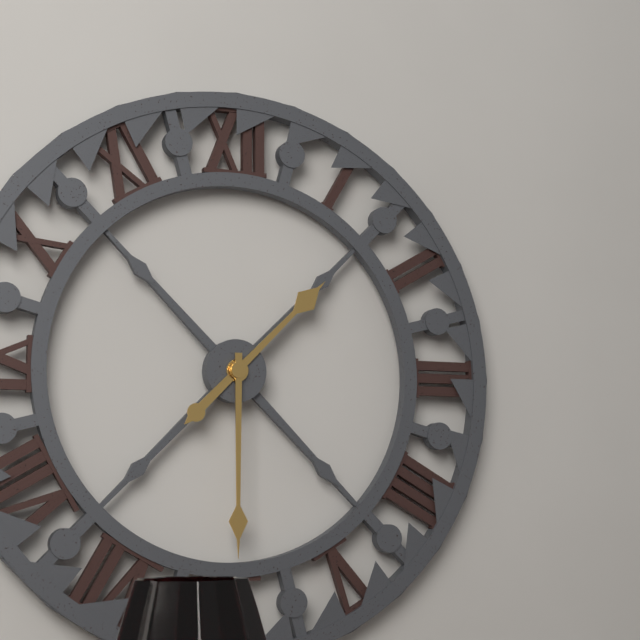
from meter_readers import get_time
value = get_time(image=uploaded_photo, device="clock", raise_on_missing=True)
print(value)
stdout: 1:30
